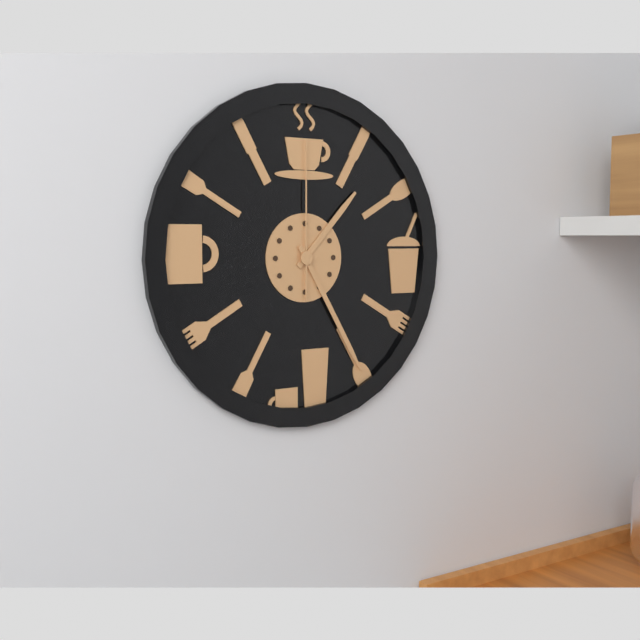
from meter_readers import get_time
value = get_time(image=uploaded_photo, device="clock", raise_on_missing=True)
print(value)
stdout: 1:25:00
